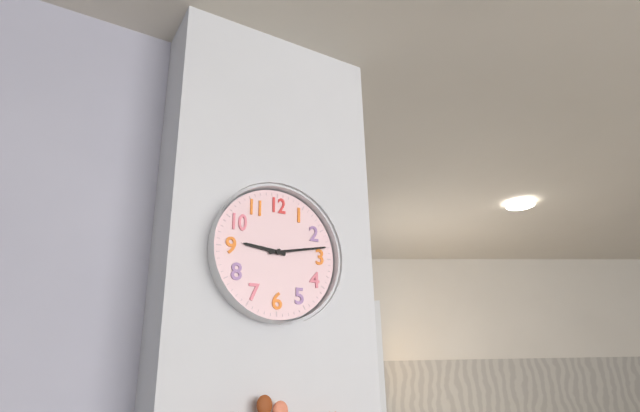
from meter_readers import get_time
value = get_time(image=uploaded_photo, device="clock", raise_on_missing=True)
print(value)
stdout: 9:13
